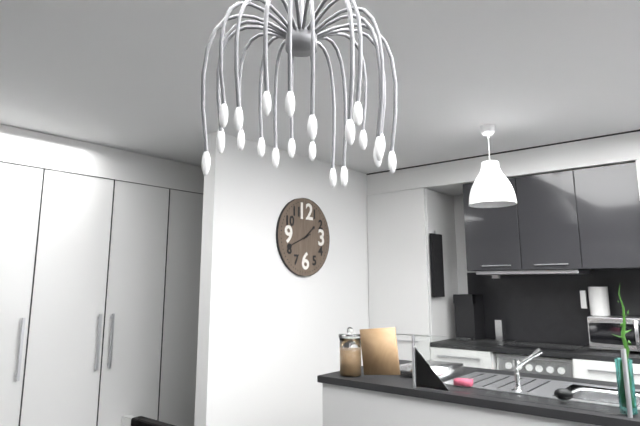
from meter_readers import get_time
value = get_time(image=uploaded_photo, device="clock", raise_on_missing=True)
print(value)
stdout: 1:41
